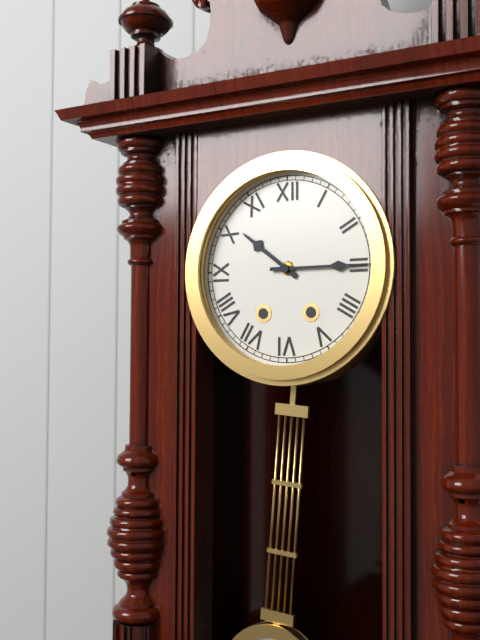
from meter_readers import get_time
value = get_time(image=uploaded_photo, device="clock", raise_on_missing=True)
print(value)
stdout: 10:15
